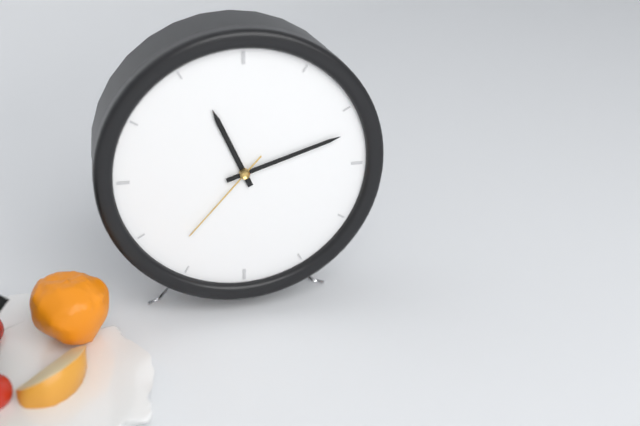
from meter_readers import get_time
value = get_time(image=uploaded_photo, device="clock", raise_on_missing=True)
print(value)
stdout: 11:12:37
